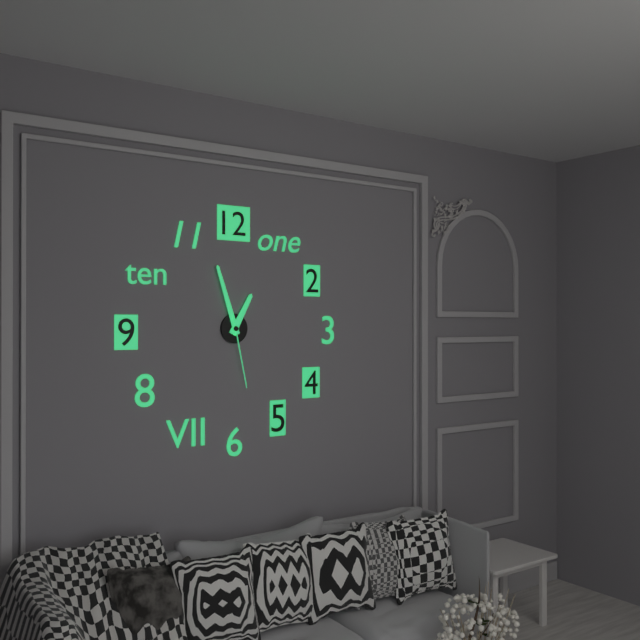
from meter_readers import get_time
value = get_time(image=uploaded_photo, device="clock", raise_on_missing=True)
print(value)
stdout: 12:57:28
